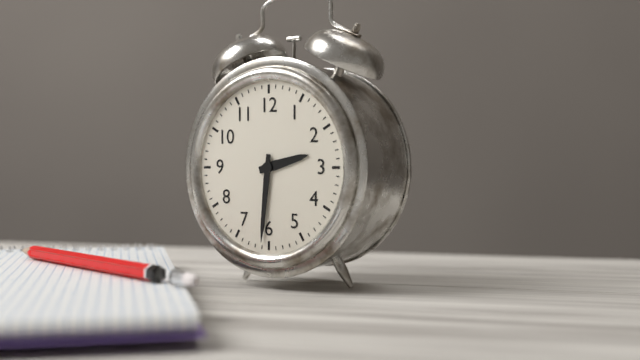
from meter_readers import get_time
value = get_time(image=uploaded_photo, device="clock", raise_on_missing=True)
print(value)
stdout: 2:31
